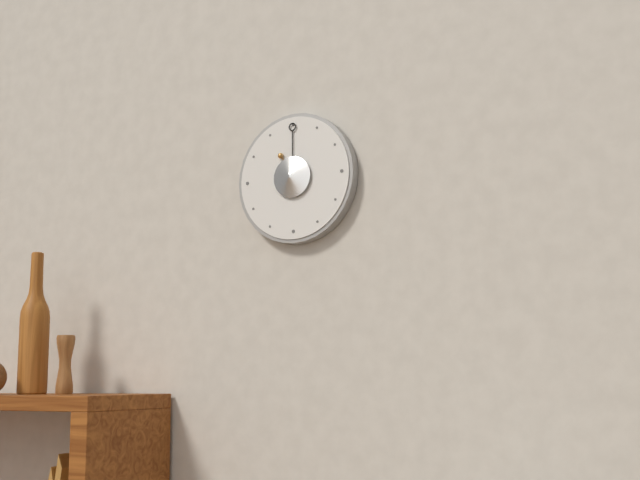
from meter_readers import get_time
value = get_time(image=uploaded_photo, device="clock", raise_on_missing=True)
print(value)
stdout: 11:00
